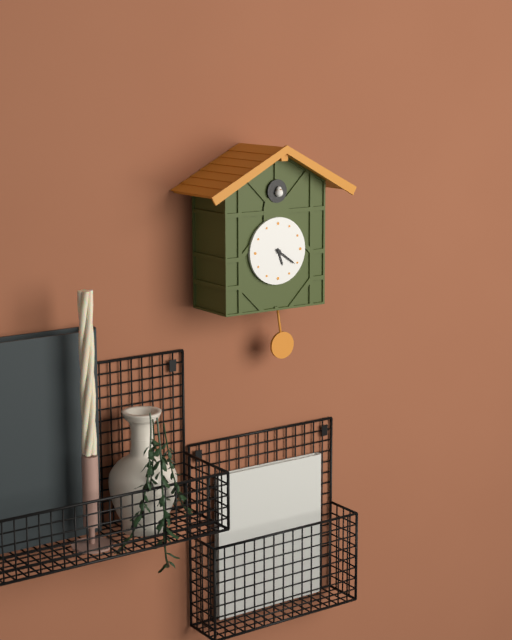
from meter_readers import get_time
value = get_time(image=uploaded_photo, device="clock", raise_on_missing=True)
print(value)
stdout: 5:21
